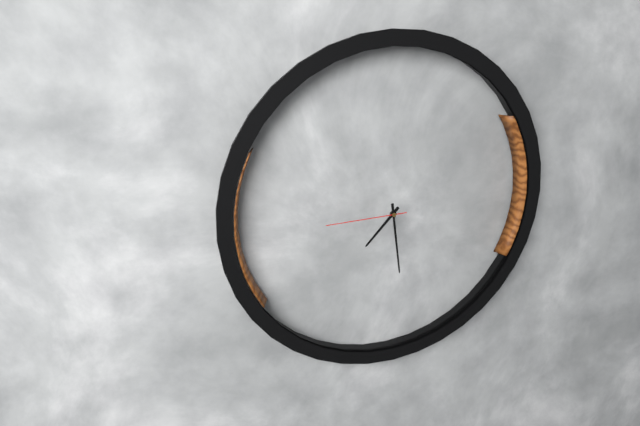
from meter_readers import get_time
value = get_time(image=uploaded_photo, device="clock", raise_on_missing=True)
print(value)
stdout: 7:29:45
